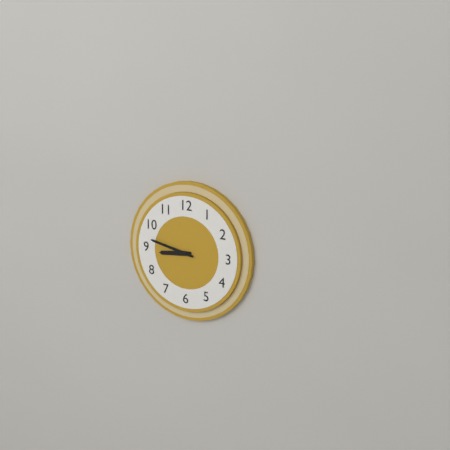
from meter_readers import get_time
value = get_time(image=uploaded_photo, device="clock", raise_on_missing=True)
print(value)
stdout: 8:47
